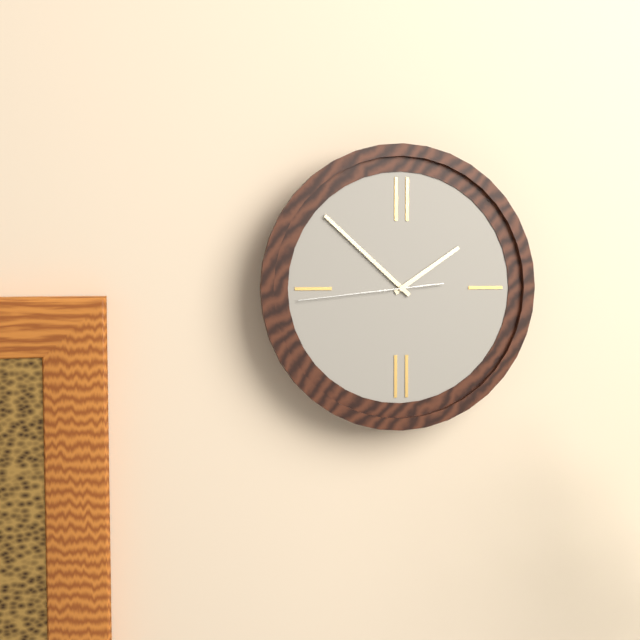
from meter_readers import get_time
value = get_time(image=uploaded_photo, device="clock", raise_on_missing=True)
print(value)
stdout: 1:52:44
